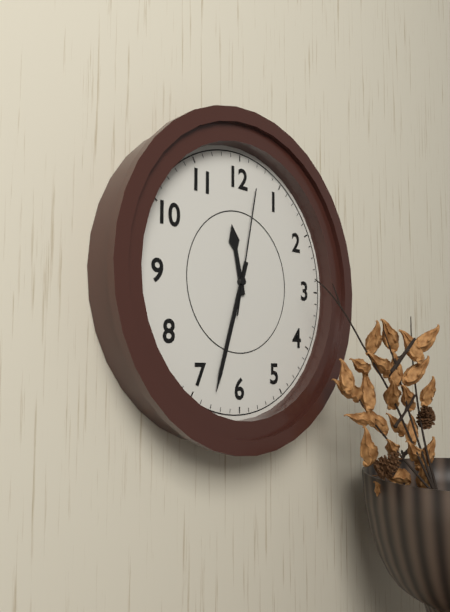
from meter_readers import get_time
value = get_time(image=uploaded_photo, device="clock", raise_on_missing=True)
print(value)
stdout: 11:33:02
